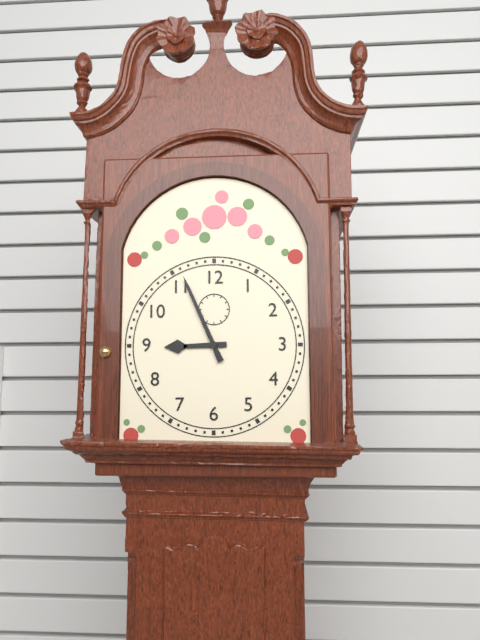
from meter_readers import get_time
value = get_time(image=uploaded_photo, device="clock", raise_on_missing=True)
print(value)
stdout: 8:56
